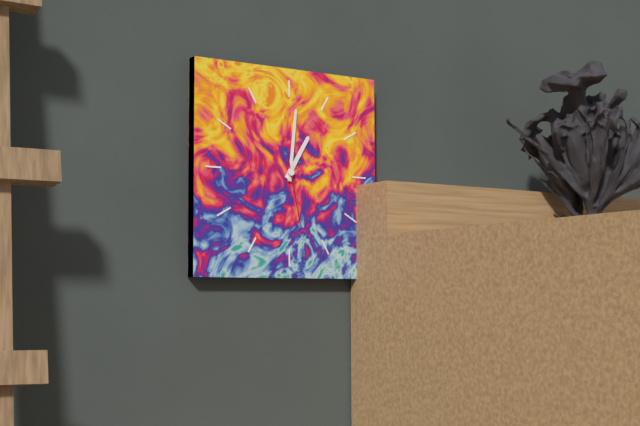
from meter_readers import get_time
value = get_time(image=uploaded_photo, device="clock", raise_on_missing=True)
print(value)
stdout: 1:01:28
